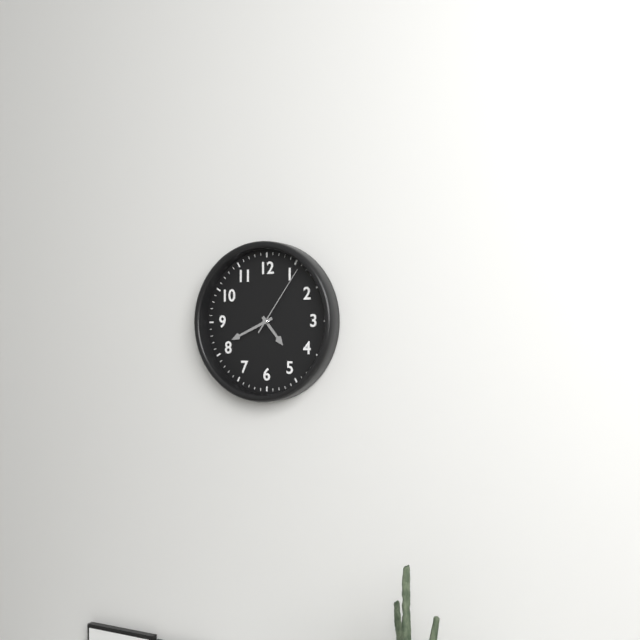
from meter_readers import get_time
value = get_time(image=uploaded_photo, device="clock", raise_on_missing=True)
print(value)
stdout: 4:41:06
